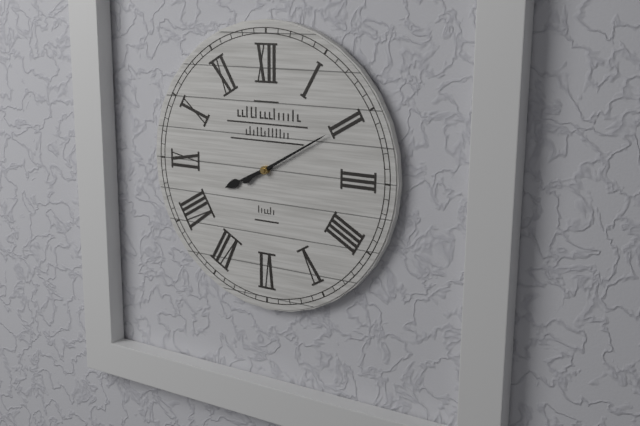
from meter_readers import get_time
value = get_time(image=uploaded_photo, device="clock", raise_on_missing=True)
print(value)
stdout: 8:10
